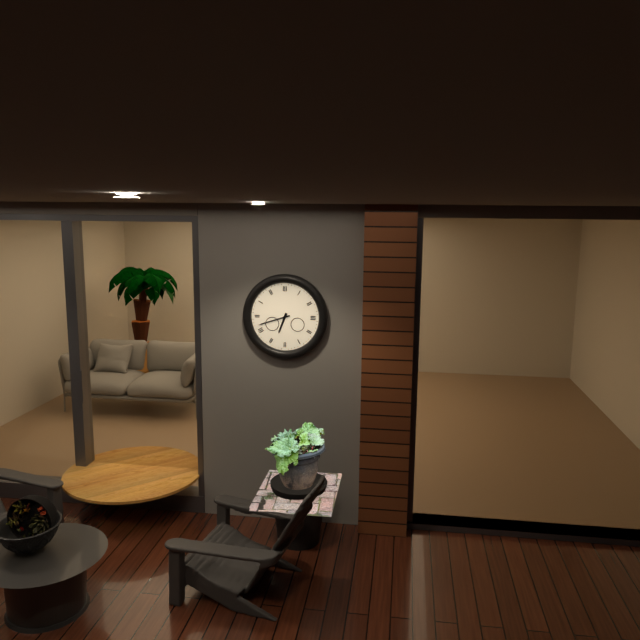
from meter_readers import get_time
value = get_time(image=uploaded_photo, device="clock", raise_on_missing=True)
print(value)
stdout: 6:42
